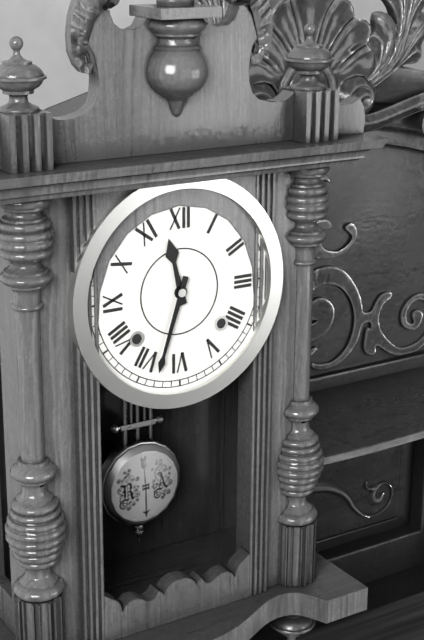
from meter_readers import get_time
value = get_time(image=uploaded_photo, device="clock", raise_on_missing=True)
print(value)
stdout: 11:33
